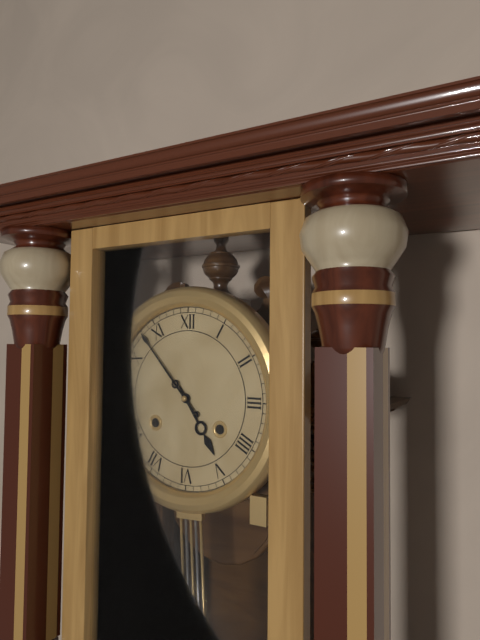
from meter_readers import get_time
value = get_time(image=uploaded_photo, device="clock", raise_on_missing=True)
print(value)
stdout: 4:53
